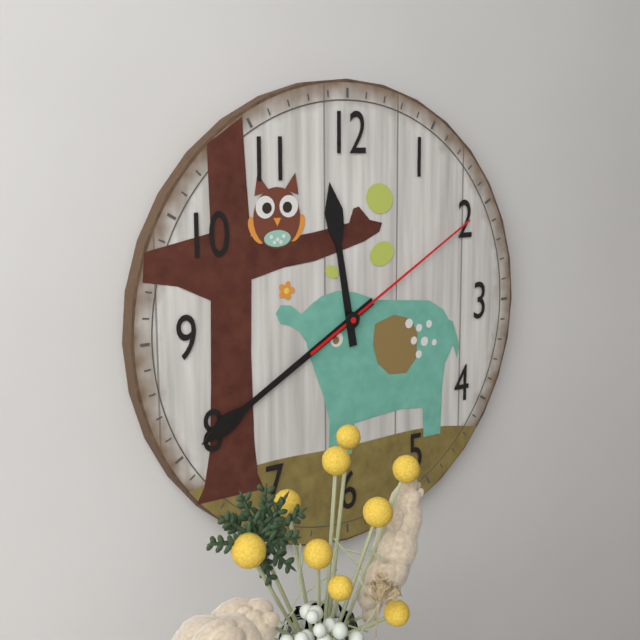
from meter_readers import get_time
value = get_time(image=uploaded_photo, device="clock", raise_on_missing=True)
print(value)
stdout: 11:40:10
